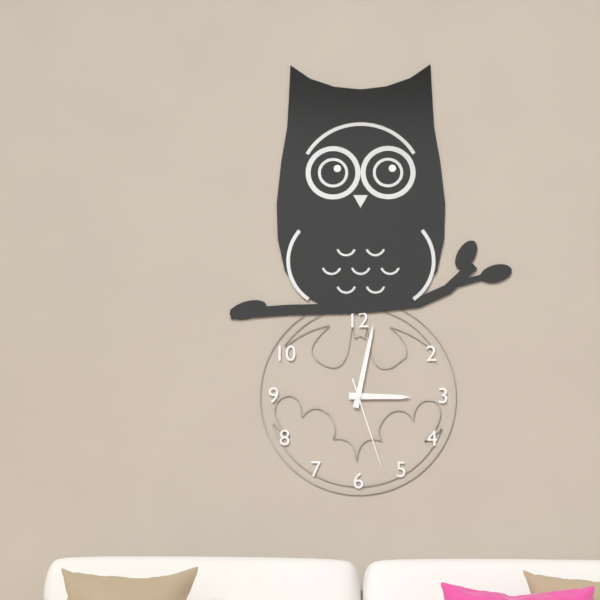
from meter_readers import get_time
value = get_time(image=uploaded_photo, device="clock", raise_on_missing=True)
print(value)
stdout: 3:02:27
